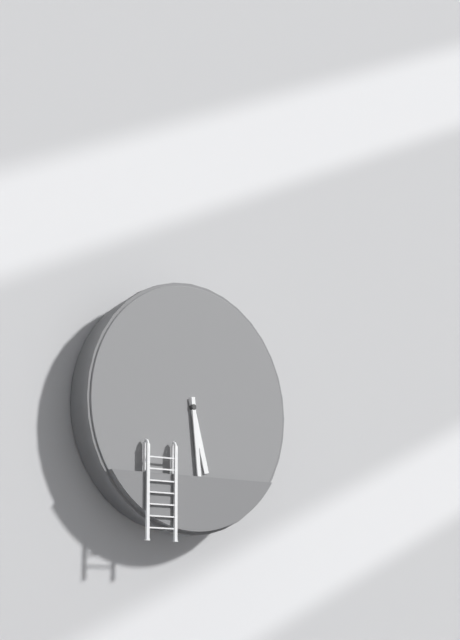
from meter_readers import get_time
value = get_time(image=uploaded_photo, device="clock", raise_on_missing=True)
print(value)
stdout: 5:29
